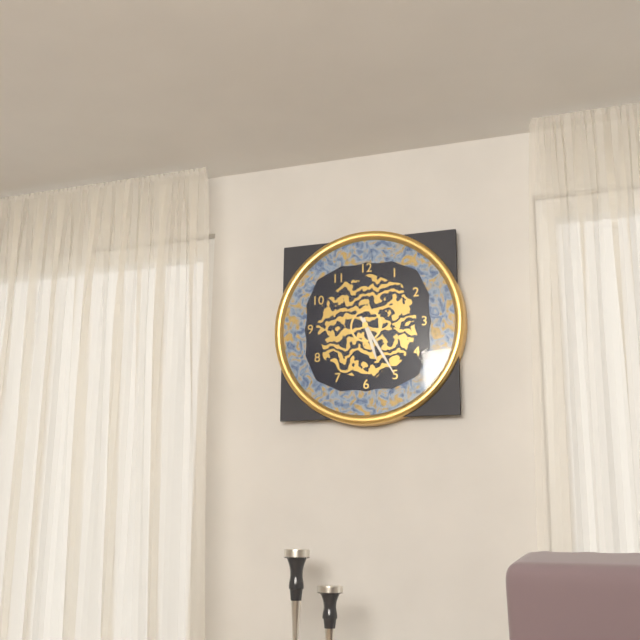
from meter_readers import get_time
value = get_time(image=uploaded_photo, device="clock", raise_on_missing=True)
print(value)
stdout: 5:25
